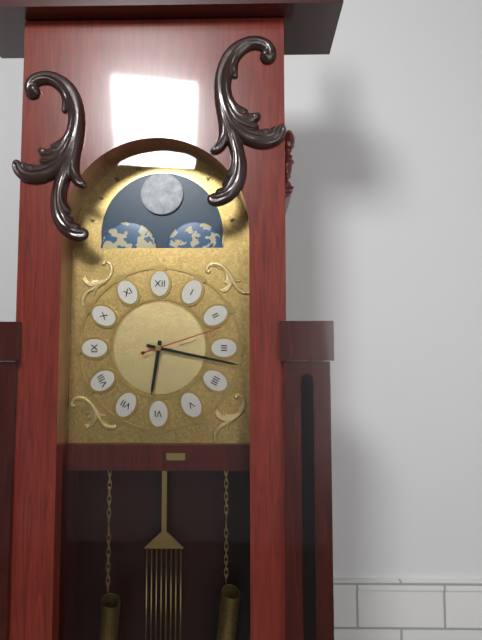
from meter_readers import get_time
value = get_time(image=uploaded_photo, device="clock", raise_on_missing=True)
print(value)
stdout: 6:17:12
